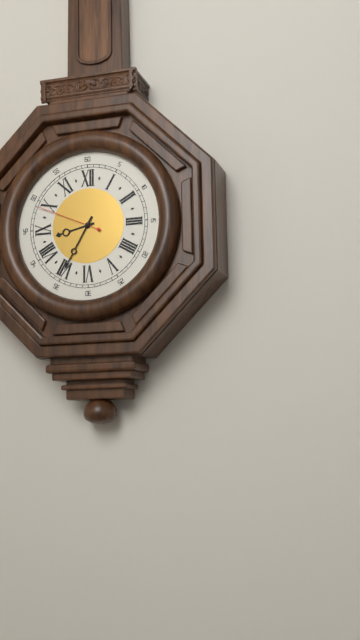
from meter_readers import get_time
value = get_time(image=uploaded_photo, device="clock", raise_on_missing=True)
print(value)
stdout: 8:35:49
